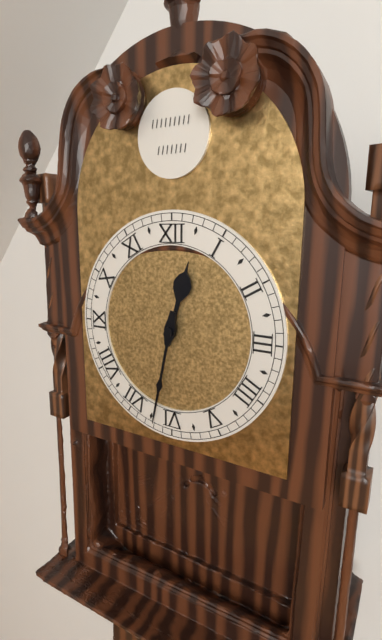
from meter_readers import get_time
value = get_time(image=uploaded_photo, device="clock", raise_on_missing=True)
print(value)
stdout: 12:32
